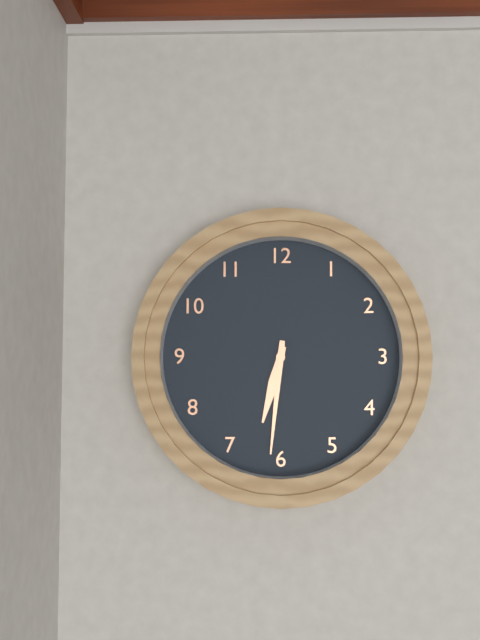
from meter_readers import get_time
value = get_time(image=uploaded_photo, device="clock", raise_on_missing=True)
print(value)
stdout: 6:31
